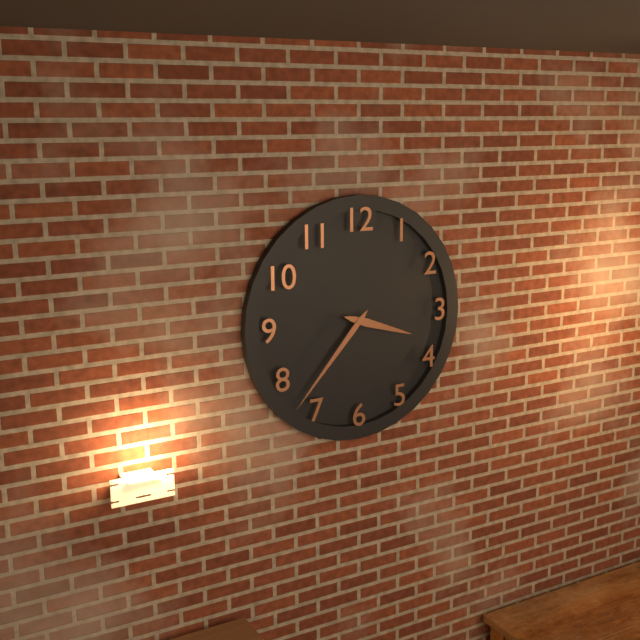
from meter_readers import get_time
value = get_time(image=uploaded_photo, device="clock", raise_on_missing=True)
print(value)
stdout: 3:37
